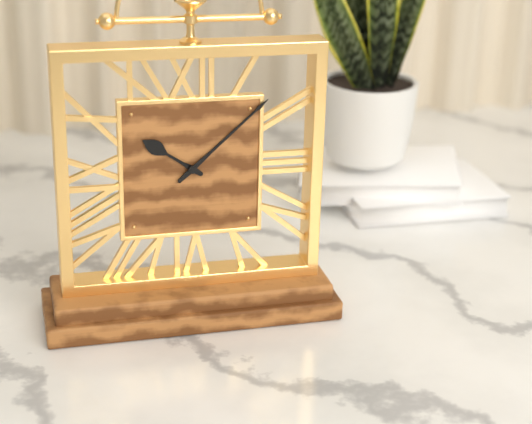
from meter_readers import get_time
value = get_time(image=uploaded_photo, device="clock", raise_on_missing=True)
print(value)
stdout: 10:08
